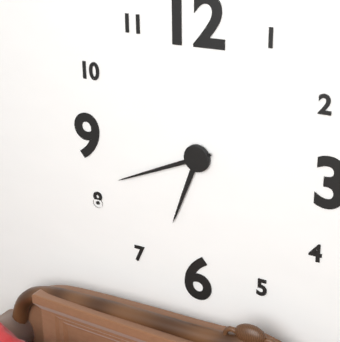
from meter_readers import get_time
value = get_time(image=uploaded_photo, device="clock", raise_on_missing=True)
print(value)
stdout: 6:41
